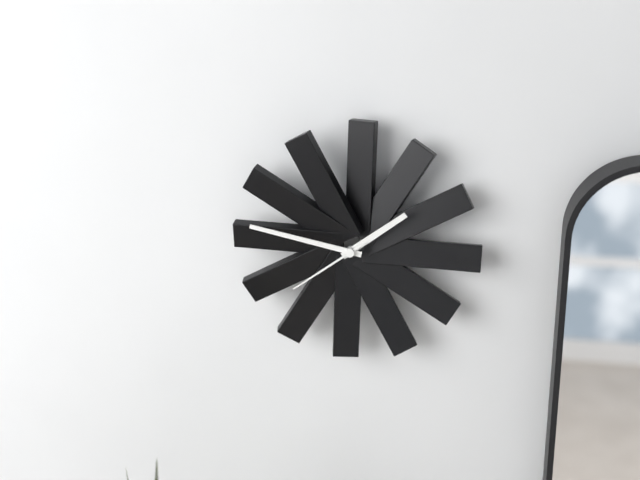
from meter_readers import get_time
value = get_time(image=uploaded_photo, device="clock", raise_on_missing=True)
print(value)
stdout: 1:47:39
